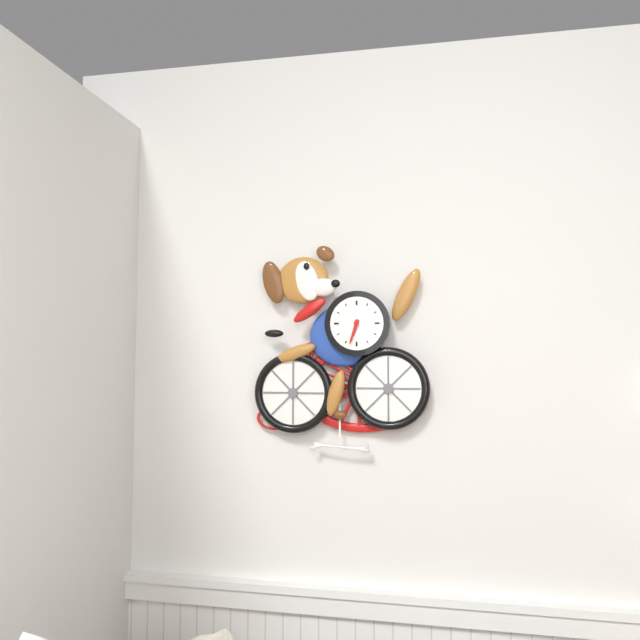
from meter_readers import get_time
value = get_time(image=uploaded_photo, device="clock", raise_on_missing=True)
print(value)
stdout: 6:33
